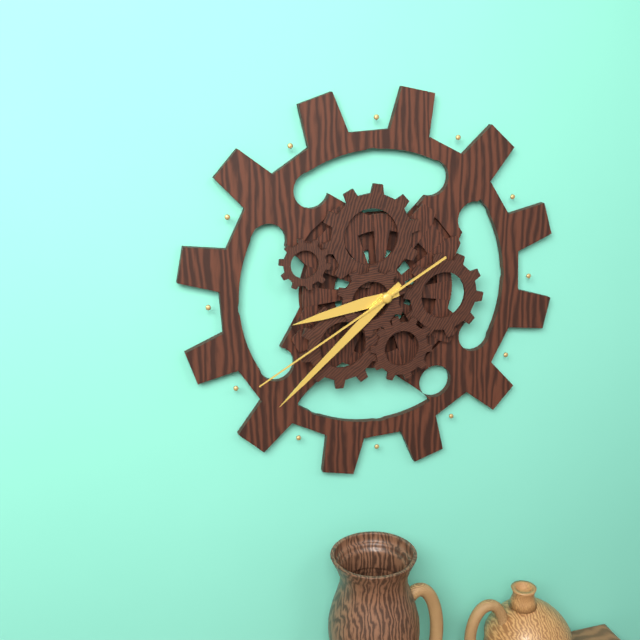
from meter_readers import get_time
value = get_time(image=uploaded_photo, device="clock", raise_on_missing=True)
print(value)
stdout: 8:38:40
